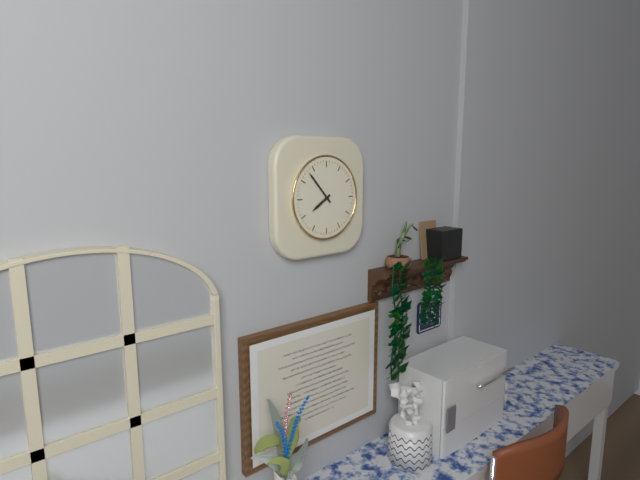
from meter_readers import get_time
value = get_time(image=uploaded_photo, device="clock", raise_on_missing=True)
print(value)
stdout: 7:53
